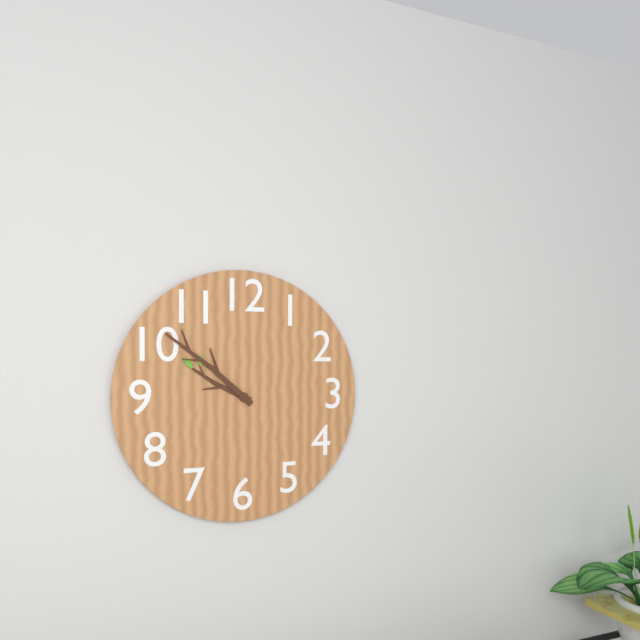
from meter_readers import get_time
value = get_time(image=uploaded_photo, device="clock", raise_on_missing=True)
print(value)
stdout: 9:52
